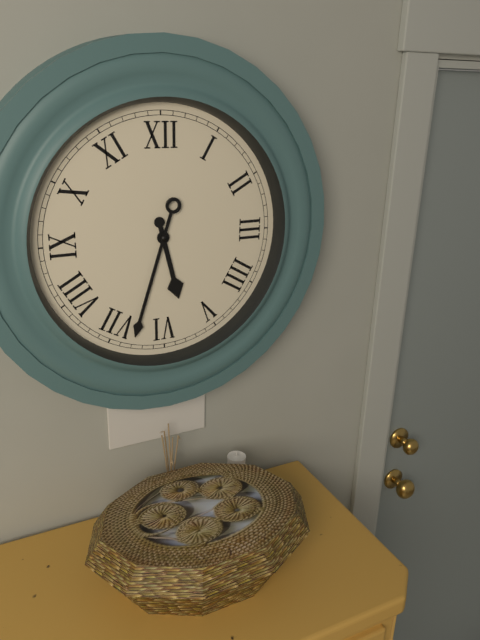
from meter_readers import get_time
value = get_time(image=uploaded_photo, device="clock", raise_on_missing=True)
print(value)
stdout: 5:33
